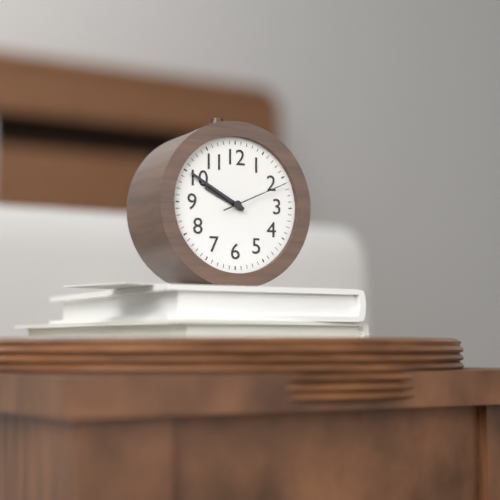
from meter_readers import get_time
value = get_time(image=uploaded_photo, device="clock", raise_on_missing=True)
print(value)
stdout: 9:50:11
